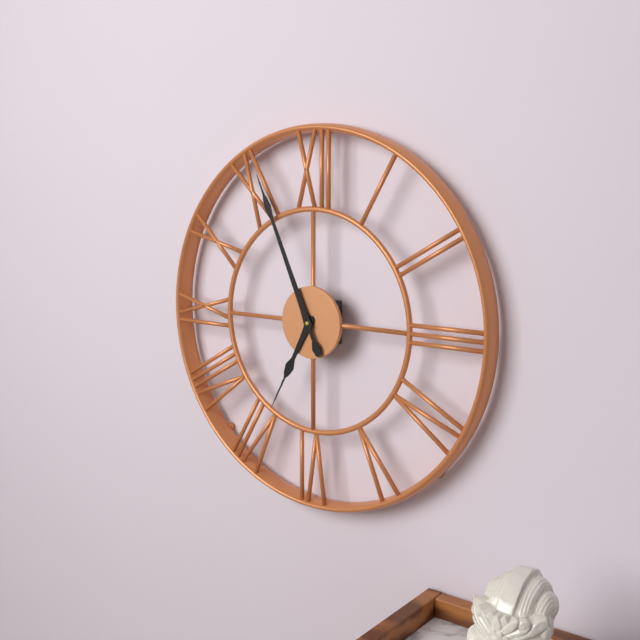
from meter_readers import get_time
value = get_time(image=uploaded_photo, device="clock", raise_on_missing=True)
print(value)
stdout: 6:56
